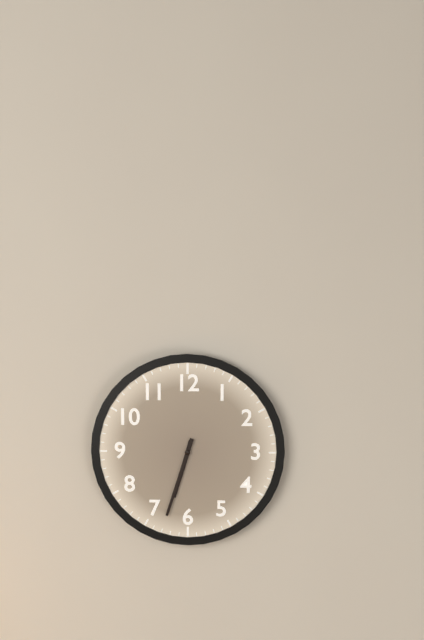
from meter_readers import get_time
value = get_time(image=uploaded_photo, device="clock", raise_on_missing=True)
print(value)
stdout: 6:33
